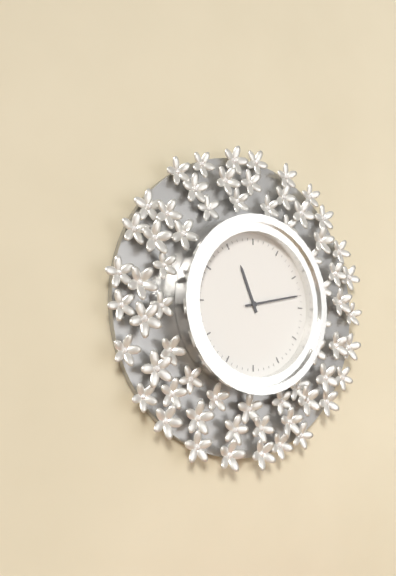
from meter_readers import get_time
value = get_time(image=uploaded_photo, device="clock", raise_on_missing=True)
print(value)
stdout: 11:13
